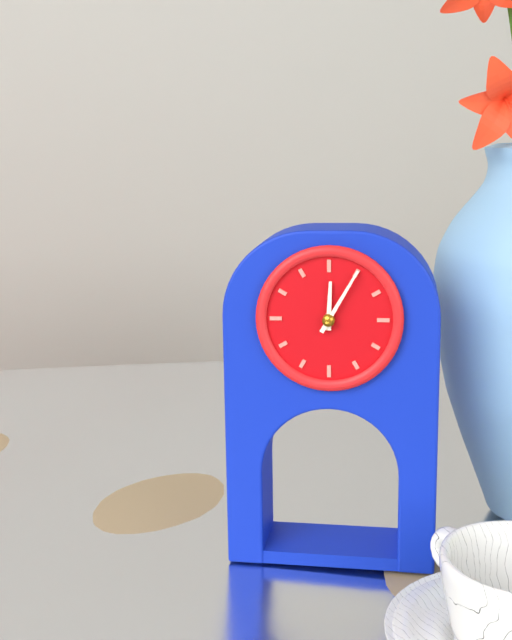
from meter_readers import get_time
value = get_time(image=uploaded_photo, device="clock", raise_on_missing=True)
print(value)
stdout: 12:05
